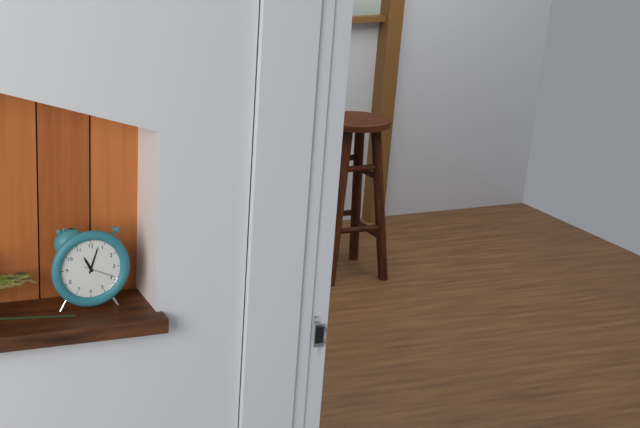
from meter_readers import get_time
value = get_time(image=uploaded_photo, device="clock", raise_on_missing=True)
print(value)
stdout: 11:03
